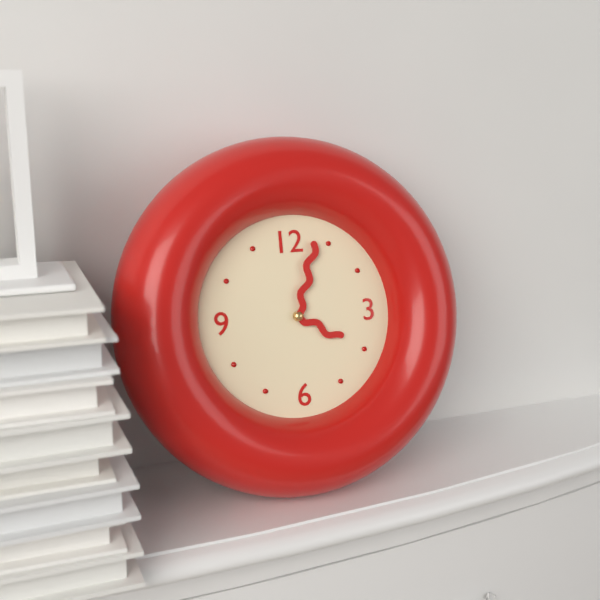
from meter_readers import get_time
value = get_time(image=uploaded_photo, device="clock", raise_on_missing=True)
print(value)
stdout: 4:03
